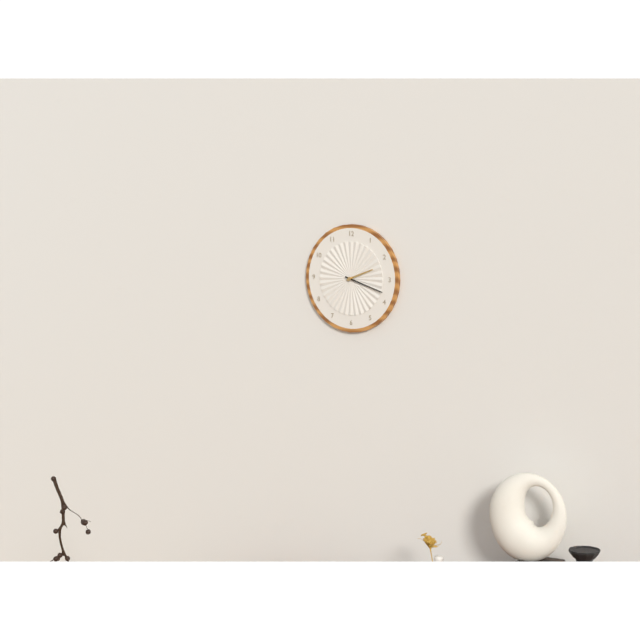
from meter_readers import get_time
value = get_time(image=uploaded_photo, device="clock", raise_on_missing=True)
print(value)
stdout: 2:18
